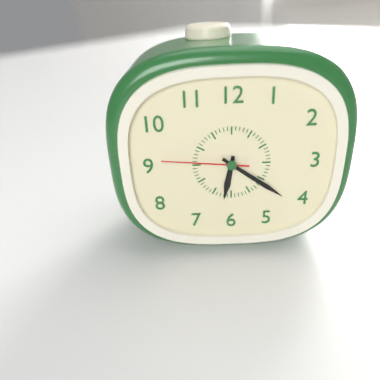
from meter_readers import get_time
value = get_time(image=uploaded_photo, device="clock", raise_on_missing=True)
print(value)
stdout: 6:21:46
